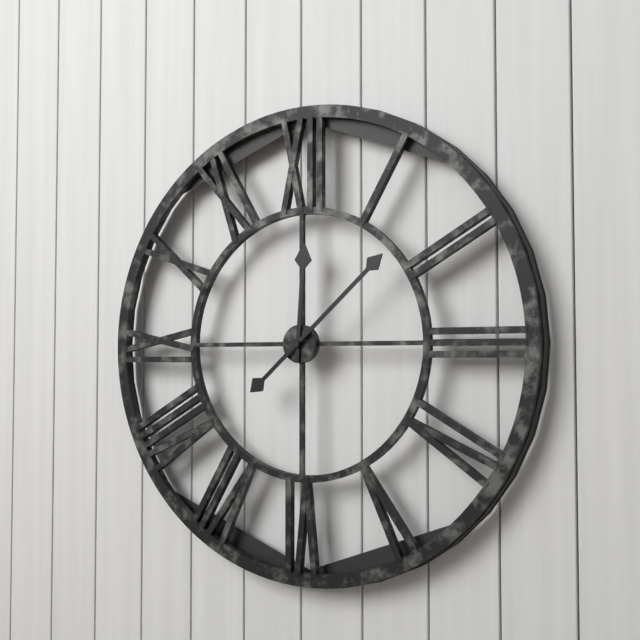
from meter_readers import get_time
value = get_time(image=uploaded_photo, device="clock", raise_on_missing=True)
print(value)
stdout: 12:08
